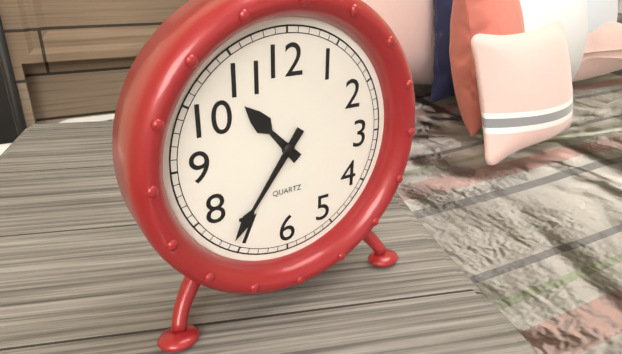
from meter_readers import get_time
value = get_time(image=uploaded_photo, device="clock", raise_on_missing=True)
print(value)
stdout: 10:36
